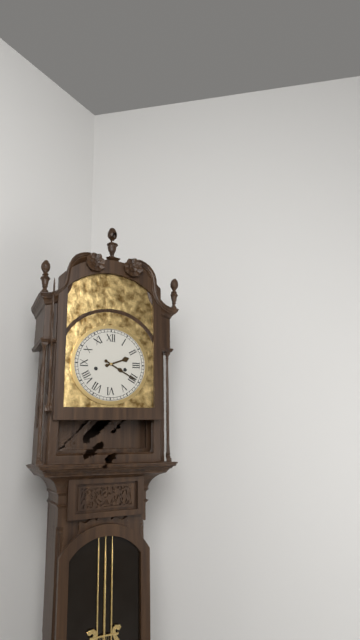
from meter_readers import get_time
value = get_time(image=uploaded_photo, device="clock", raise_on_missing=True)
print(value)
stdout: 2:20
